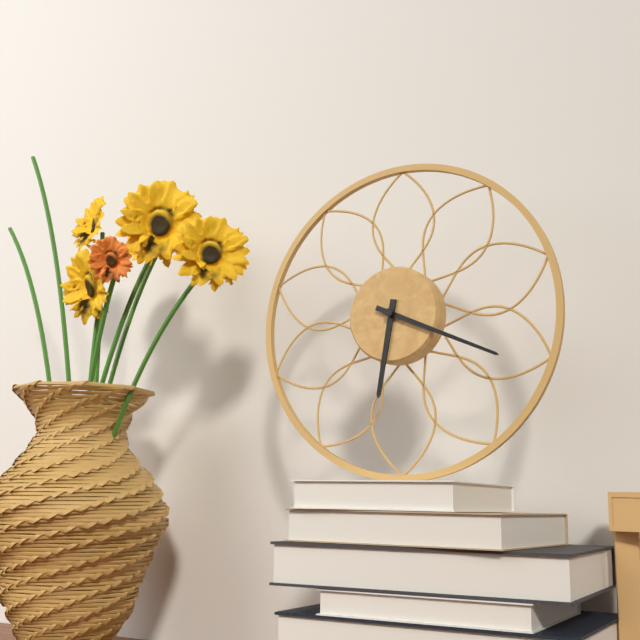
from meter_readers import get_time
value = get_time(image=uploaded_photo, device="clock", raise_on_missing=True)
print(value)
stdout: 6:19
